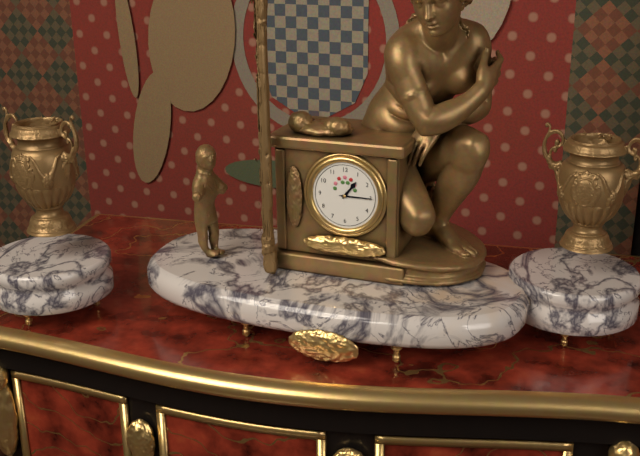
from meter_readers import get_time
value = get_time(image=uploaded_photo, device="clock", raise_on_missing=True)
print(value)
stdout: 1:15
